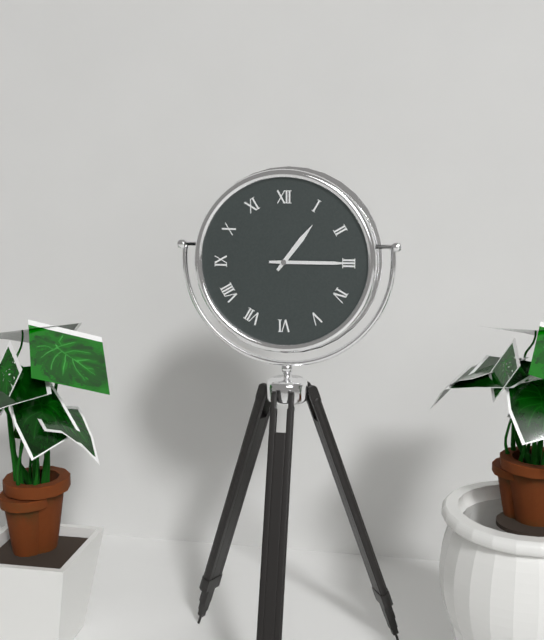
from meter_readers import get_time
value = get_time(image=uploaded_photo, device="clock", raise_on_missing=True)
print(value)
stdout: 1:15
